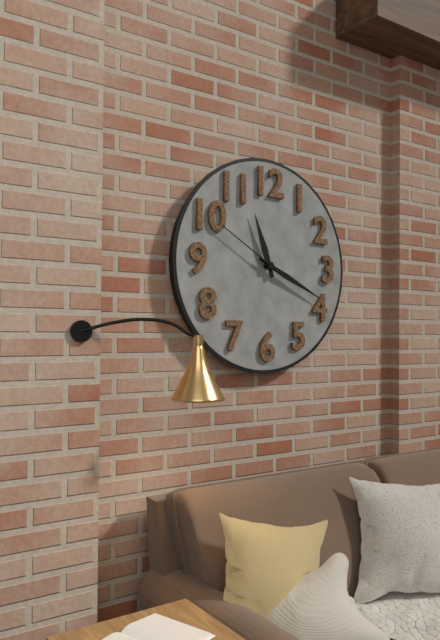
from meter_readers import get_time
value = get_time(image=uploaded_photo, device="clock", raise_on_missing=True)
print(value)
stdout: 11:19:50
